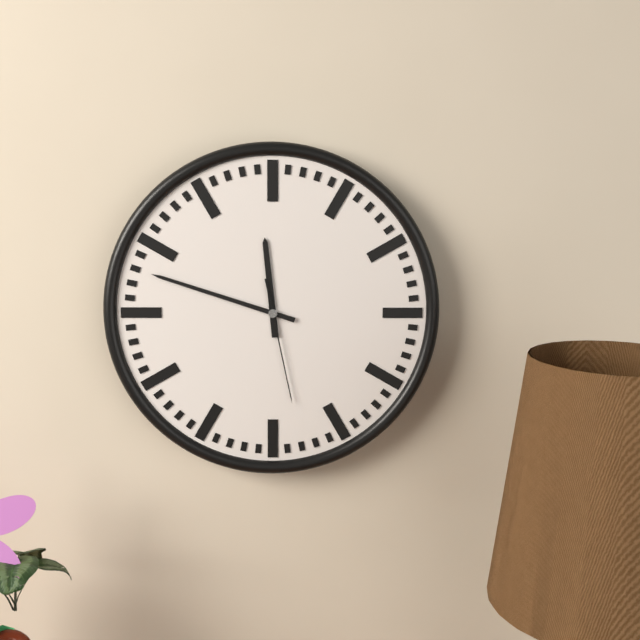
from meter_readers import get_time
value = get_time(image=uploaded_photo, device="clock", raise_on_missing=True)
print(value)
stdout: 11:48:28
